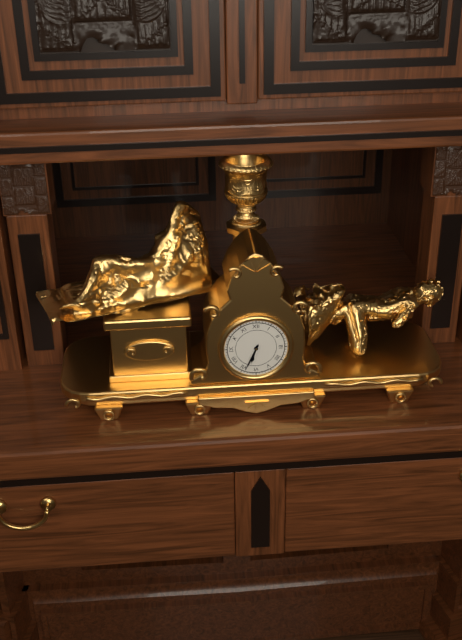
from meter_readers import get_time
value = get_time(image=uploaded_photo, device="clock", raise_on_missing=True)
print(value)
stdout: 6:34
